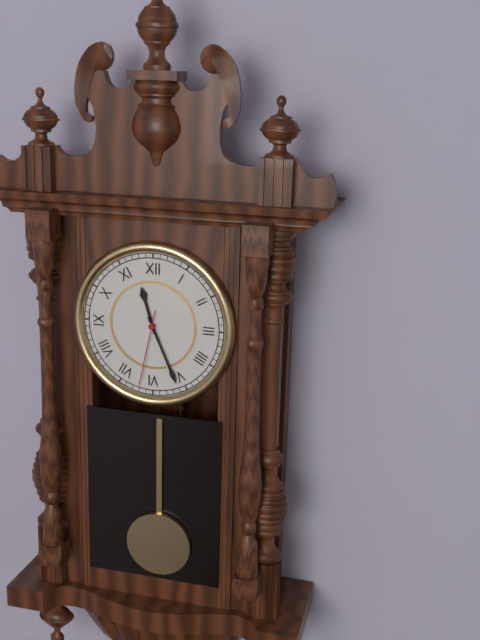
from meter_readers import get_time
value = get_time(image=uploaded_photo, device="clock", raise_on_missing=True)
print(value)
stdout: 11:26:32
